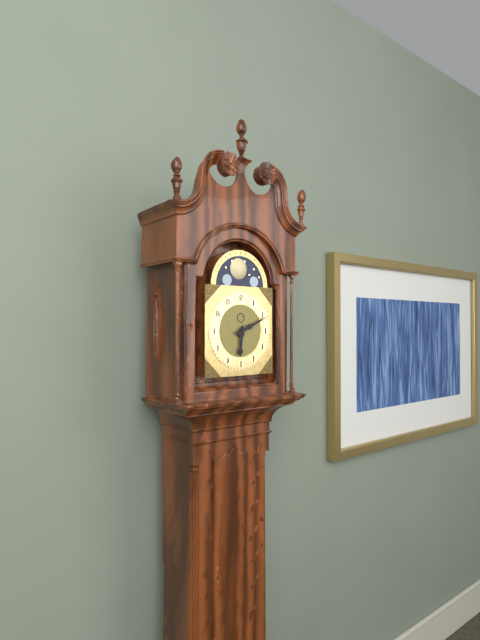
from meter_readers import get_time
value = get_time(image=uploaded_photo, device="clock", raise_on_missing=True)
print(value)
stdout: 6:11
